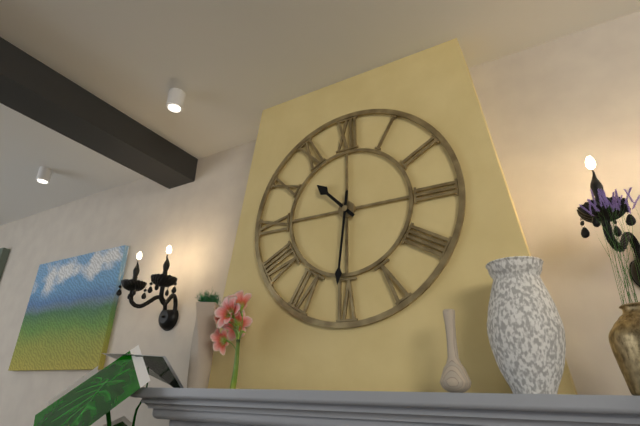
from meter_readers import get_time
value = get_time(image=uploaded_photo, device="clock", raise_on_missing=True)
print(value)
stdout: 10:31
